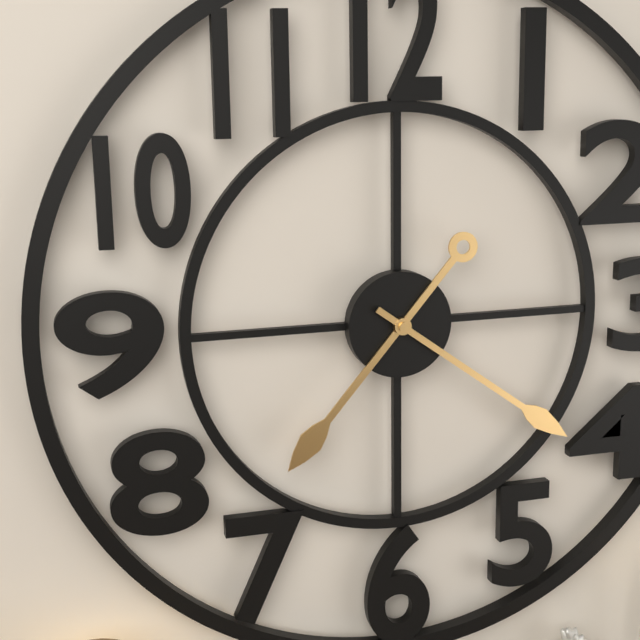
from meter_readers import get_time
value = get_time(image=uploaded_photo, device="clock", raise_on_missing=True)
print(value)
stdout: 7:21
